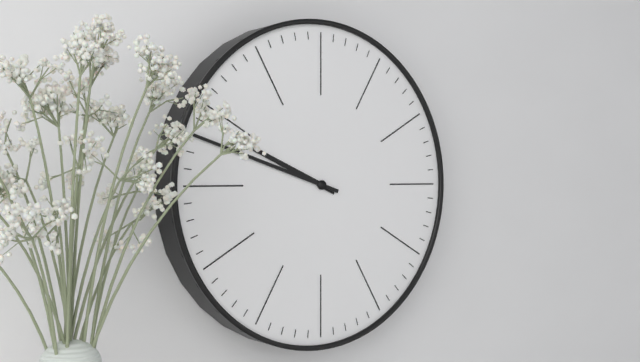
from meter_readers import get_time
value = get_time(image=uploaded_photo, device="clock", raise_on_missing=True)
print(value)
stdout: 9:48
